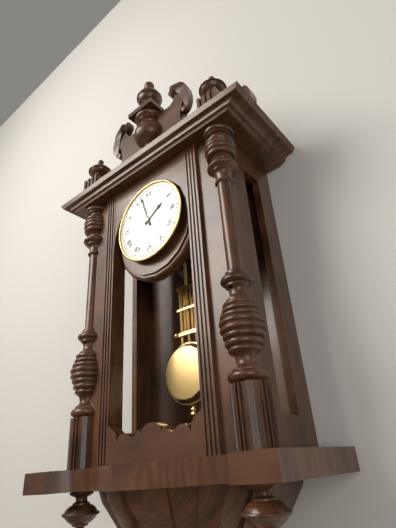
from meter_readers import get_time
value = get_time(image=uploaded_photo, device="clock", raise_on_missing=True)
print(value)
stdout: 1:57
